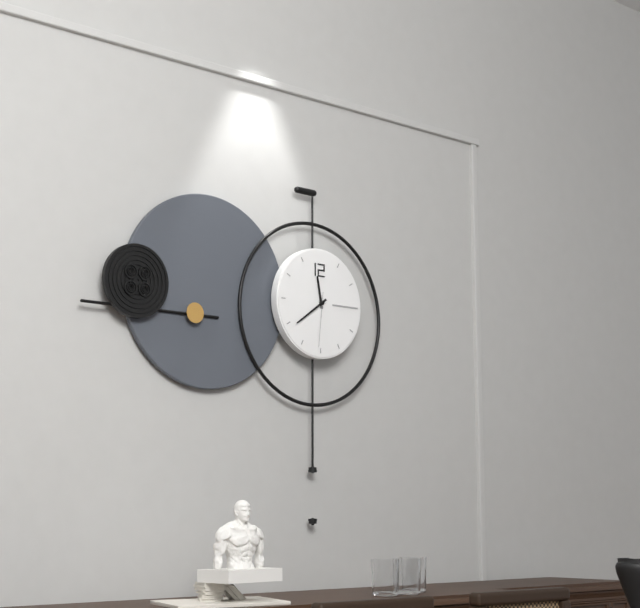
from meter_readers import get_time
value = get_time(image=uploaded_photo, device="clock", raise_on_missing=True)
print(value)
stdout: 11:39:31
